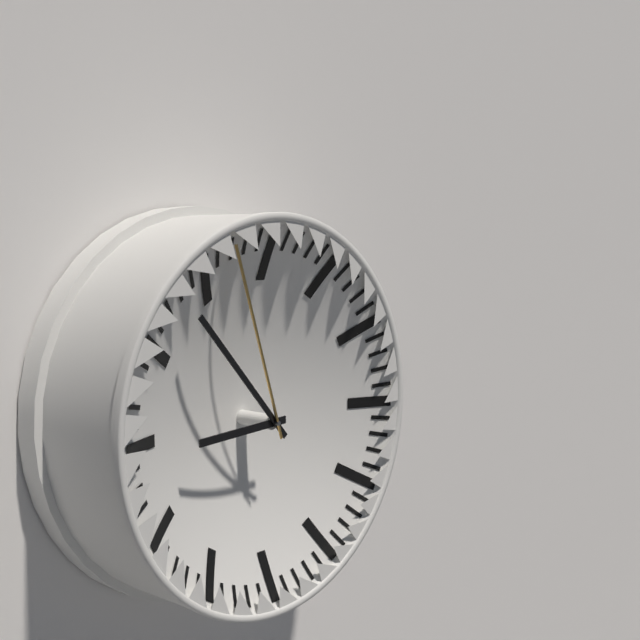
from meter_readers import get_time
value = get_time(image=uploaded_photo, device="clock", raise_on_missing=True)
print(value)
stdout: 8:53:57
